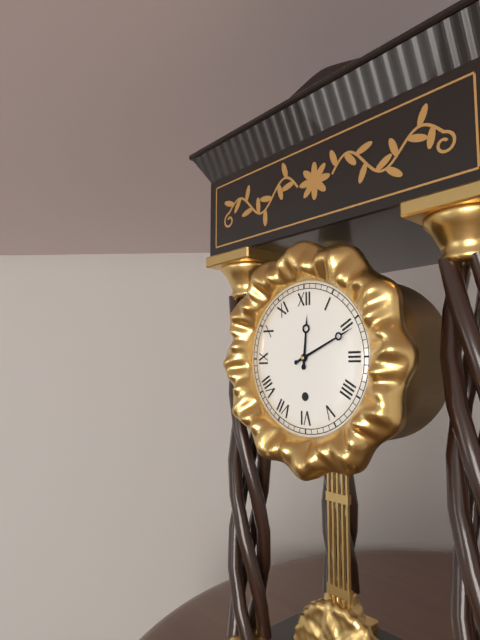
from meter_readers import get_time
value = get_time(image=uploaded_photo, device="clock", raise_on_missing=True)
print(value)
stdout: 12:11
